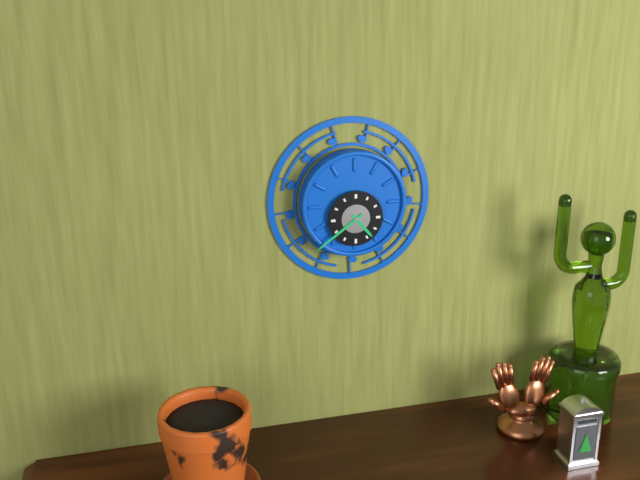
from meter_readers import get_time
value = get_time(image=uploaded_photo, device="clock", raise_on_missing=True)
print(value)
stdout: 4:39
